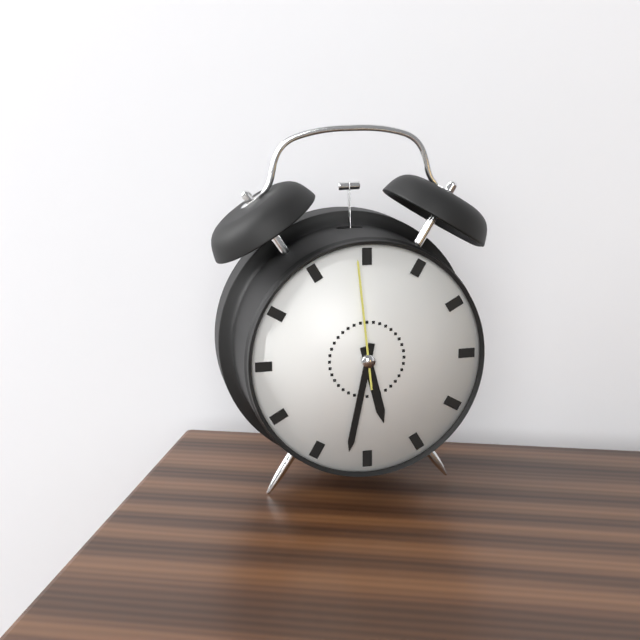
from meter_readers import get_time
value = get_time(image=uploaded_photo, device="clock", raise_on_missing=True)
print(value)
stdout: 5:32:59
